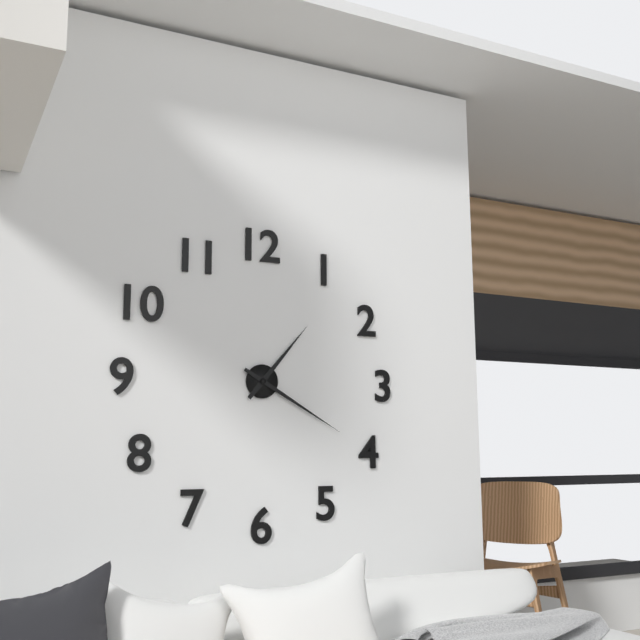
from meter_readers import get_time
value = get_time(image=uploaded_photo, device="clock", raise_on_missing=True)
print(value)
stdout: 1:20
